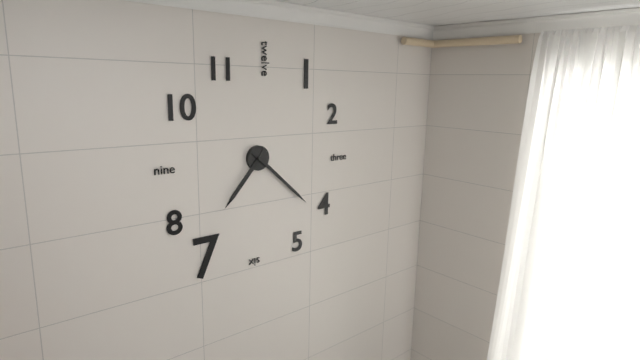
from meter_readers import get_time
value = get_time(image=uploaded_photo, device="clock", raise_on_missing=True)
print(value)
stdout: 7:22
